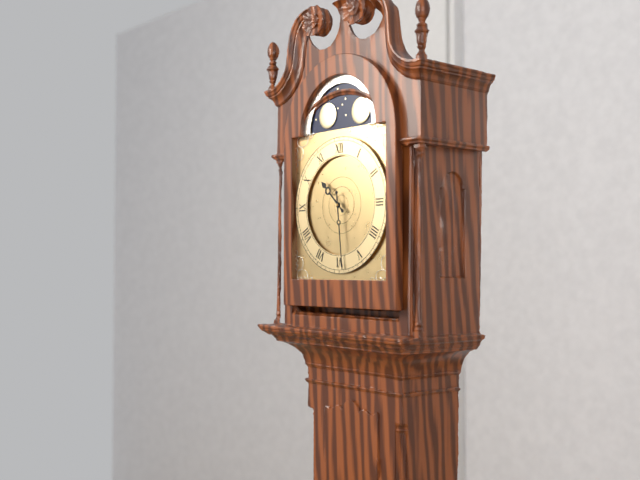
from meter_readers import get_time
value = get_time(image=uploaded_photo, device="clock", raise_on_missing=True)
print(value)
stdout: 10:29
